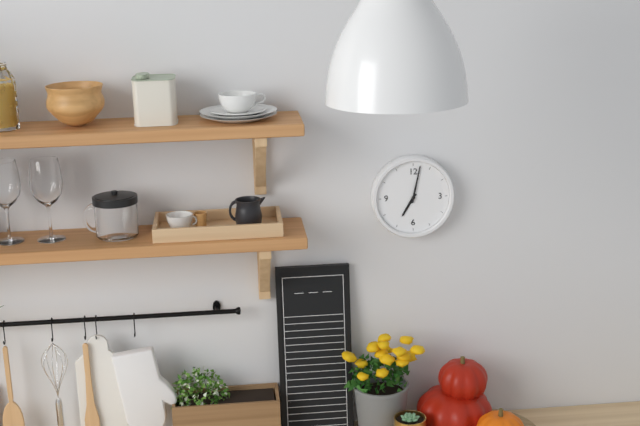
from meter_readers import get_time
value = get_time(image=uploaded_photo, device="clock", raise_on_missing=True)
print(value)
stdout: 7:02
